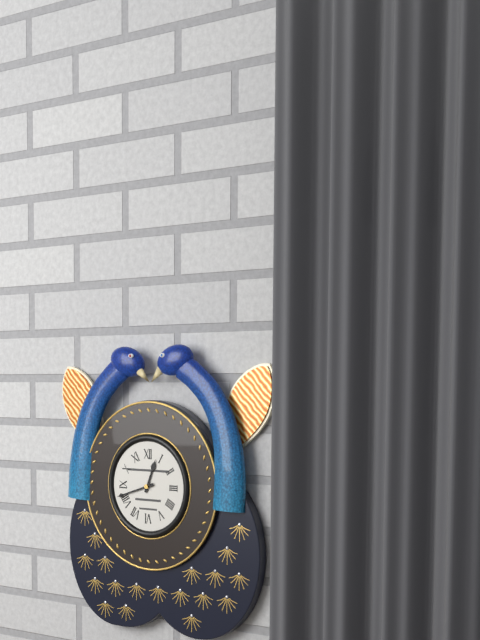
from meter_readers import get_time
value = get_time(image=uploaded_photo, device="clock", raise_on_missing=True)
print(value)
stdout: 12:42
